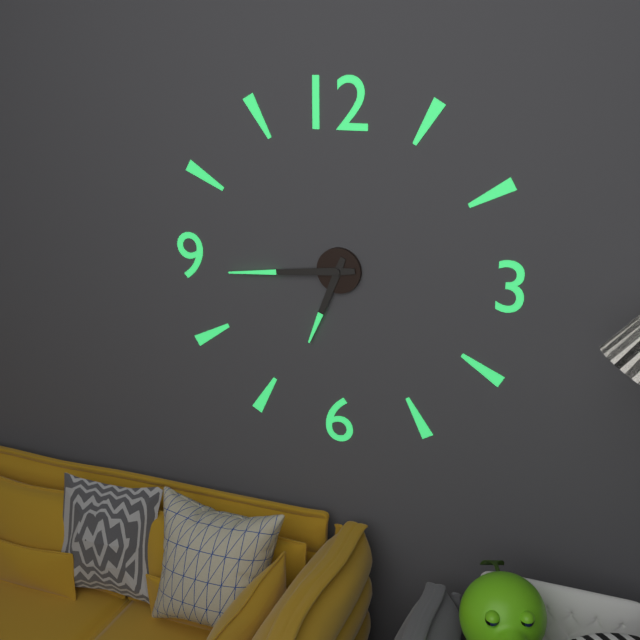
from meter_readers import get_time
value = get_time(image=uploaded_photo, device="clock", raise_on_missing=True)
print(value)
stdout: 6:44
